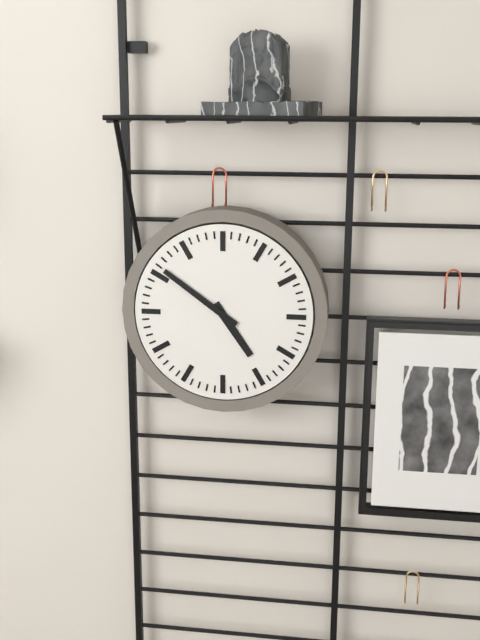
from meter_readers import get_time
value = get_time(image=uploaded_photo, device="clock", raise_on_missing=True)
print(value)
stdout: 4:51
